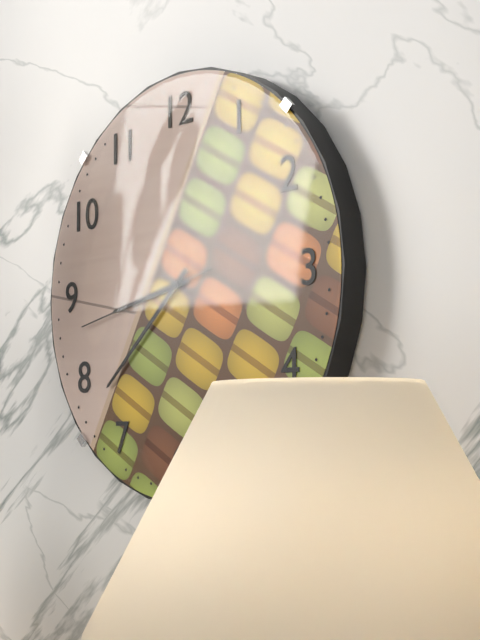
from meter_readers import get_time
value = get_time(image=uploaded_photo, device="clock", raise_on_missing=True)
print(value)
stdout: 8:38:43
